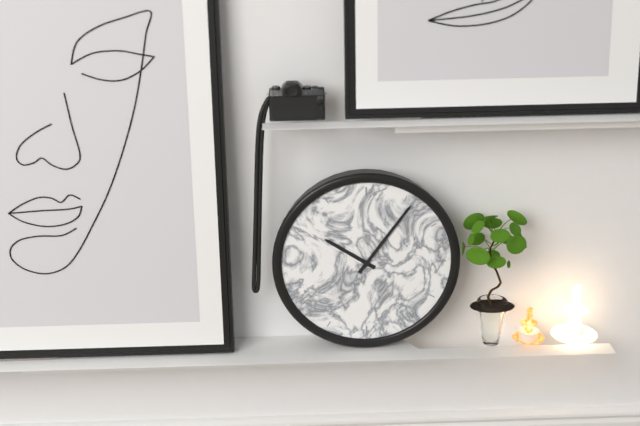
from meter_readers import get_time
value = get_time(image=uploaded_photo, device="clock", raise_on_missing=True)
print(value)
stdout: 10:06
